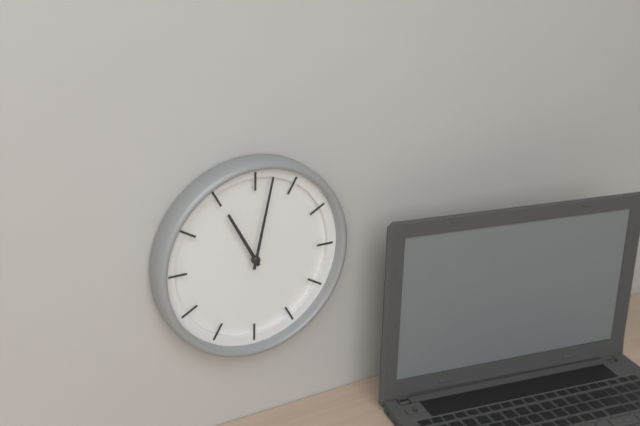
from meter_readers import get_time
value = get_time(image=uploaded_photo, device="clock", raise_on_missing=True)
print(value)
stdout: 11:02
